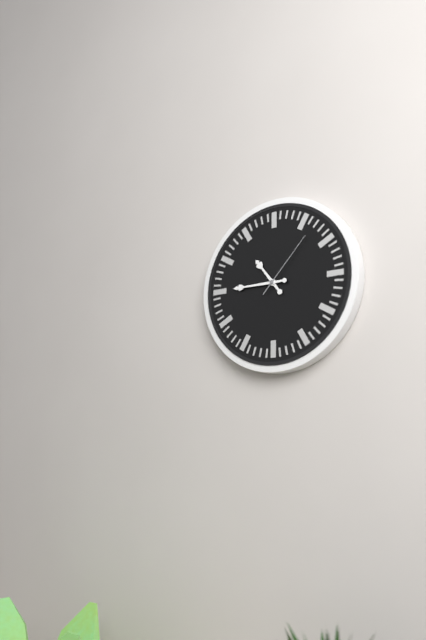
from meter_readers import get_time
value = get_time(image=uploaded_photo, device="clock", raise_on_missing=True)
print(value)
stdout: 10:45:07
